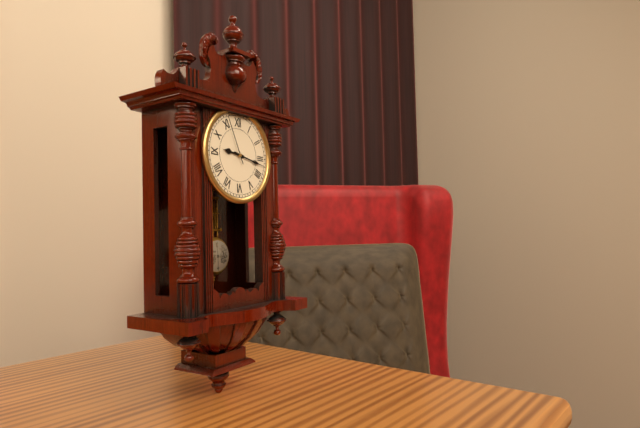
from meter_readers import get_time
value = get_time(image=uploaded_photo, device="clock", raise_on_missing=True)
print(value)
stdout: 9:17:56
